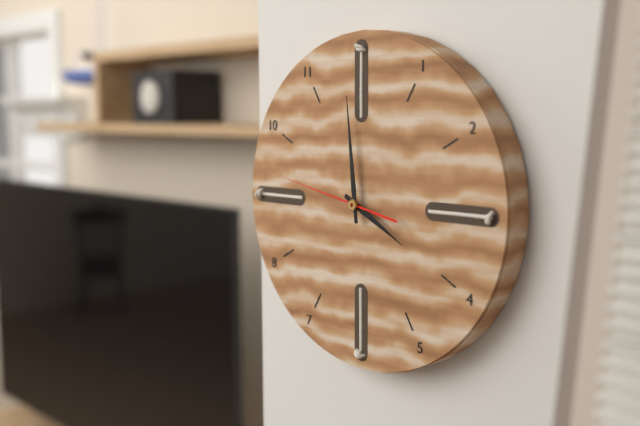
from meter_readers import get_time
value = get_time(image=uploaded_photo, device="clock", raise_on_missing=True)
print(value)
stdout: 3:59:47
